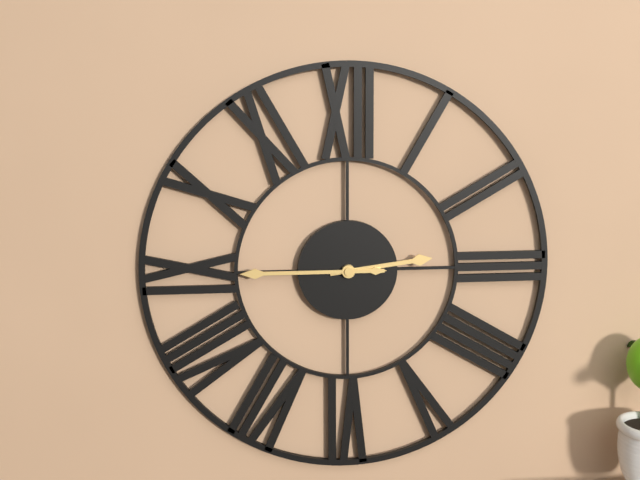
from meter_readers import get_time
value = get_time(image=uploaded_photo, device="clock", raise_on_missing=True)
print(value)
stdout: 2:45
